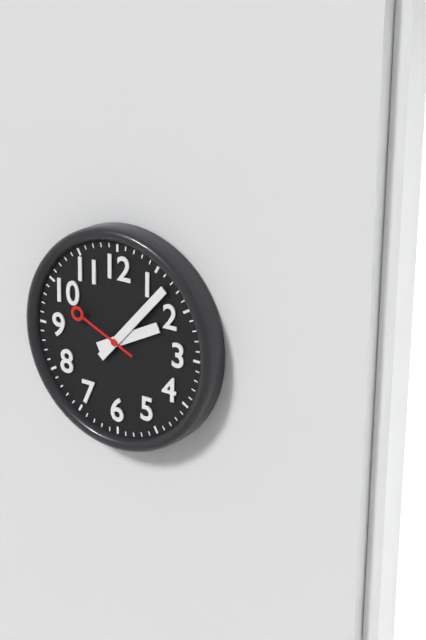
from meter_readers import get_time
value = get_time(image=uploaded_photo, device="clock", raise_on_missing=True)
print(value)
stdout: 2:07:49
